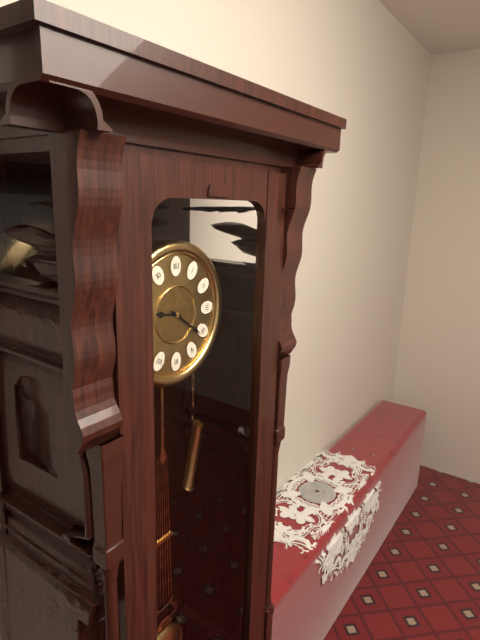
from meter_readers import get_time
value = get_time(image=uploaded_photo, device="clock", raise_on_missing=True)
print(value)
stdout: 9:21
